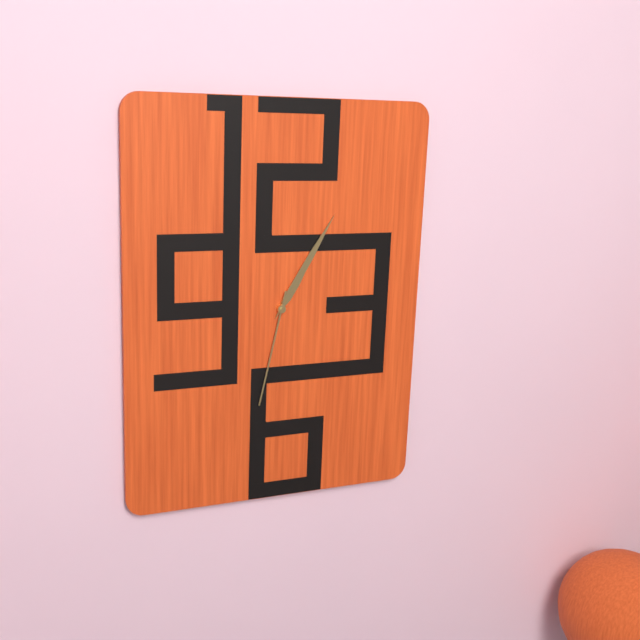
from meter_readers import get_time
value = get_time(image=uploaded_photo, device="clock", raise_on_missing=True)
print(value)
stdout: 1:05:32
